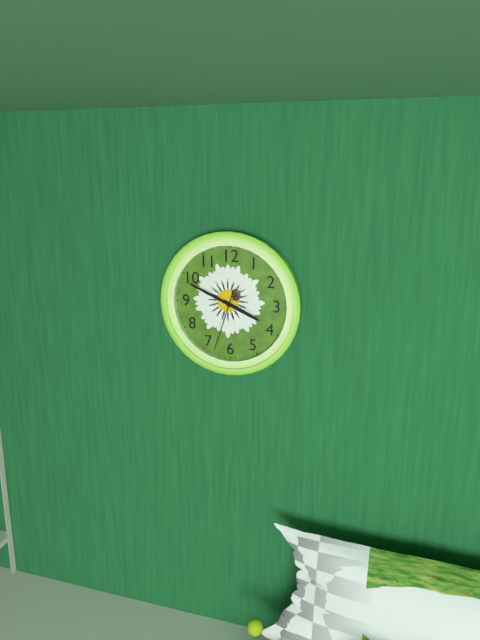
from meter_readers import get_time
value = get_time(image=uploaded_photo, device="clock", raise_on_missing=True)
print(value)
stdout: 3:49:33
